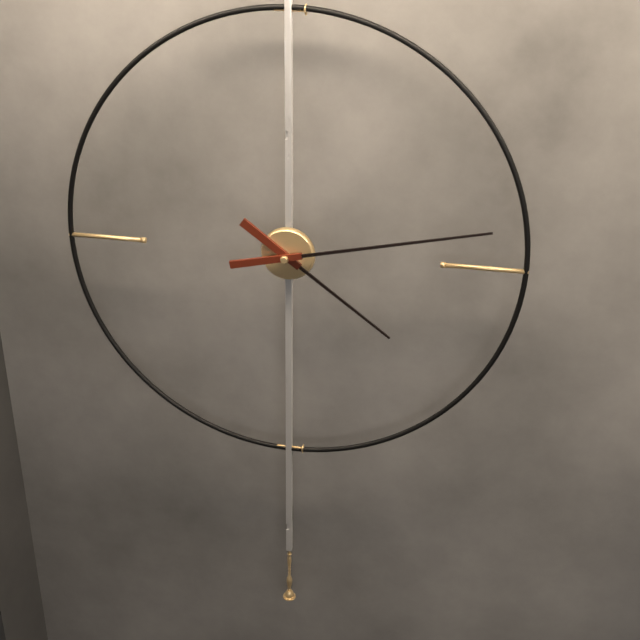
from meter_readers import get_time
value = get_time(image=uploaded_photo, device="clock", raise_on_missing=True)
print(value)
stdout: 4:13
